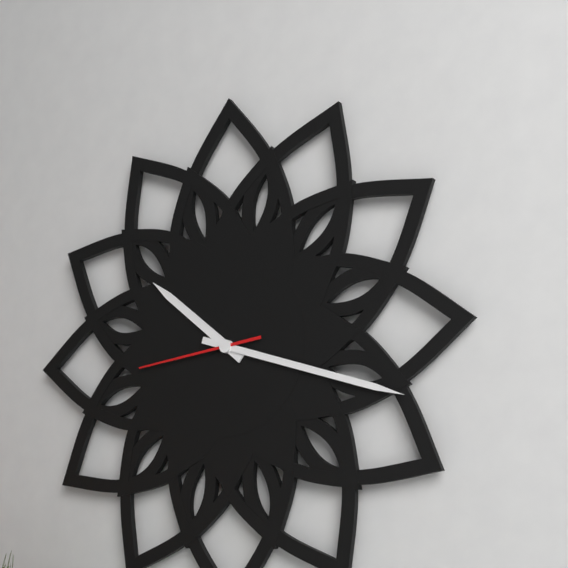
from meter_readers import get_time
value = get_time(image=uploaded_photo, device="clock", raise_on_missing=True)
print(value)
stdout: 10:18:44
